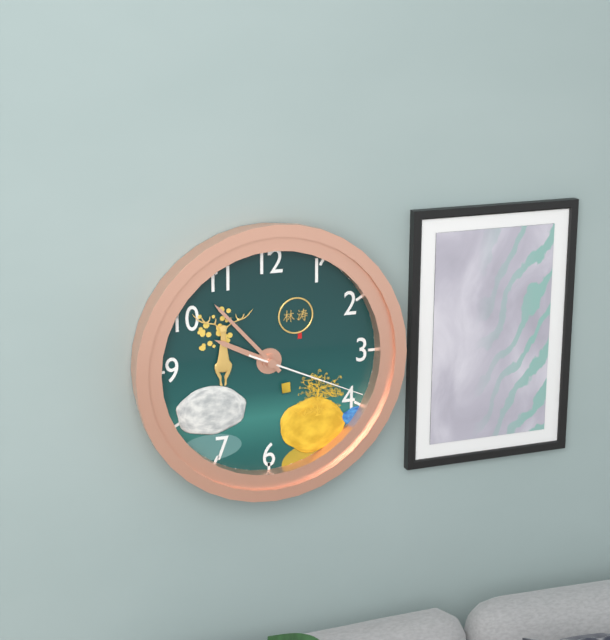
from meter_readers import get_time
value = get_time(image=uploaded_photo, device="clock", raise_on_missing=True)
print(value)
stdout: 9:53:19
